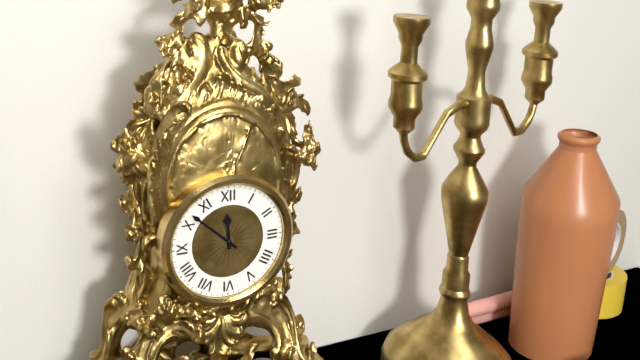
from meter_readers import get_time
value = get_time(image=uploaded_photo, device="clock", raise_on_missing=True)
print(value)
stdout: 11:52
